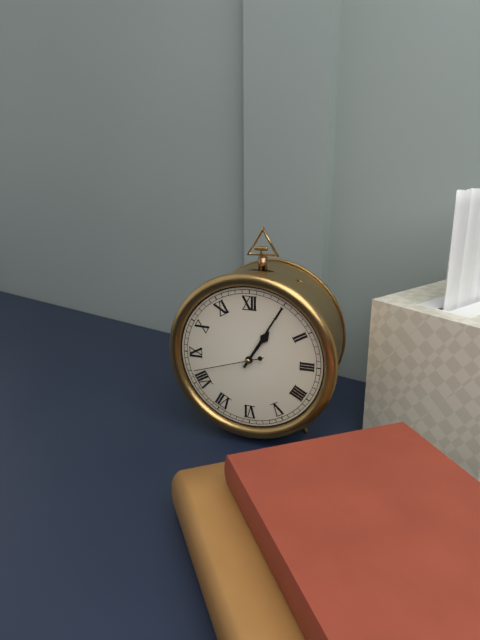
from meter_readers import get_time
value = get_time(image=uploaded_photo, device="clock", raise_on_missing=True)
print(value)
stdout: 1:05:42
